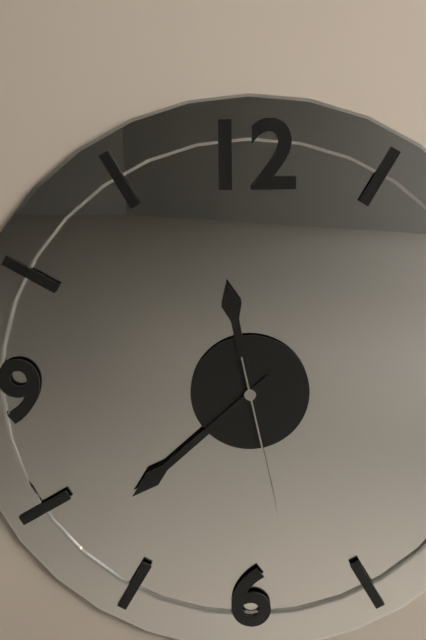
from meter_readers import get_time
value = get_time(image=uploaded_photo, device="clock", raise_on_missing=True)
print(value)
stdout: 11:38:28
